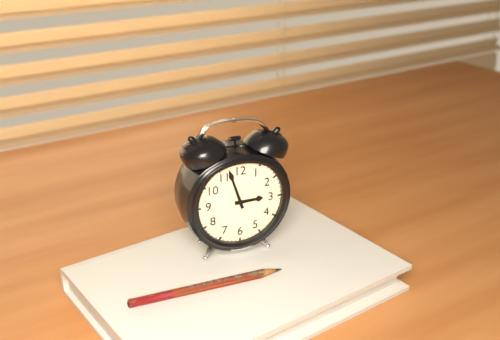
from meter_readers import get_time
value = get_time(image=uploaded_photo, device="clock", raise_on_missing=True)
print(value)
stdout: 2:57
